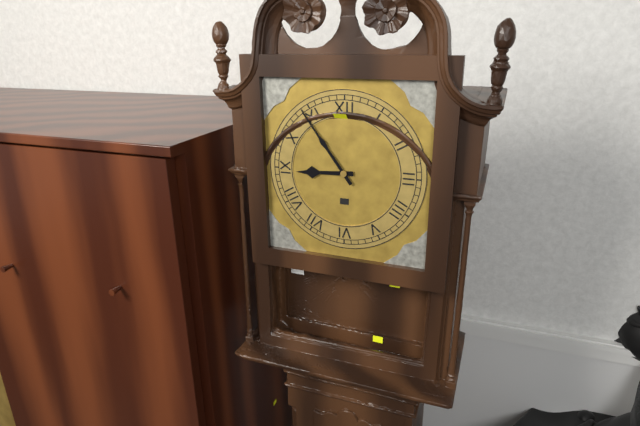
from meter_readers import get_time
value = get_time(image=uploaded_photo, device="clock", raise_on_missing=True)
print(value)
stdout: 8:54
